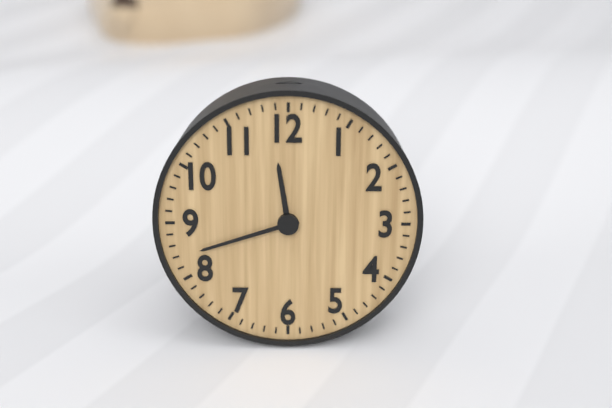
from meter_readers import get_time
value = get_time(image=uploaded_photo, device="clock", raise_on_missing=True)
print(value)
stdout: 11:42
